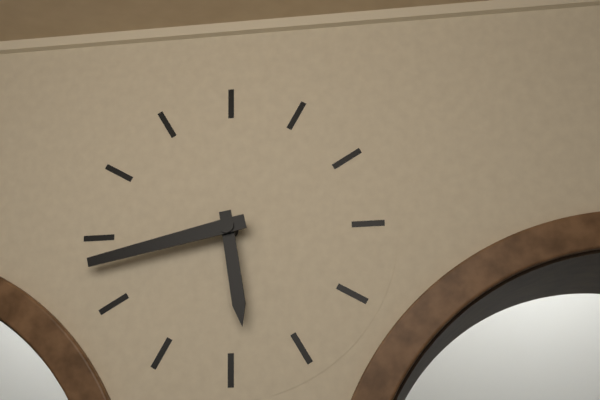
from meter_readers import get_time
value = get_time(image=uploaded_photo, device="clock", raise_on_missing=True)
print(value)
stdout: 5:43
